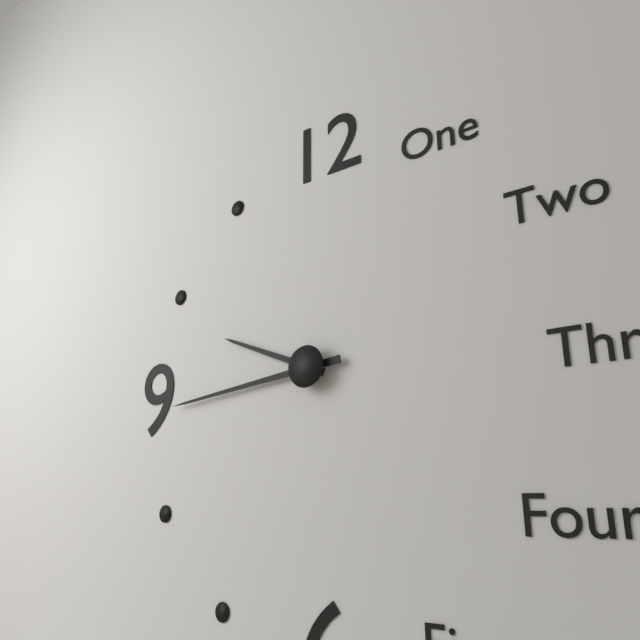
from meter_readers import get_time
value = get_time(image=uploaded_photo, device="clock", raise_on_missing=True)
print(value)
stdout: 9:44
